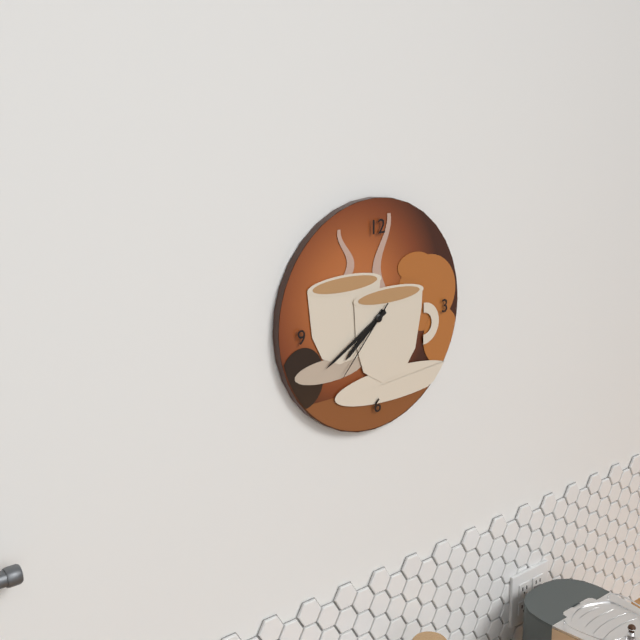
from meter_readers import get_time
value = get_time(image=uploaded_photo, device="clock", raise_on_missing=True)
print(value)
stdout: 7:40:37
